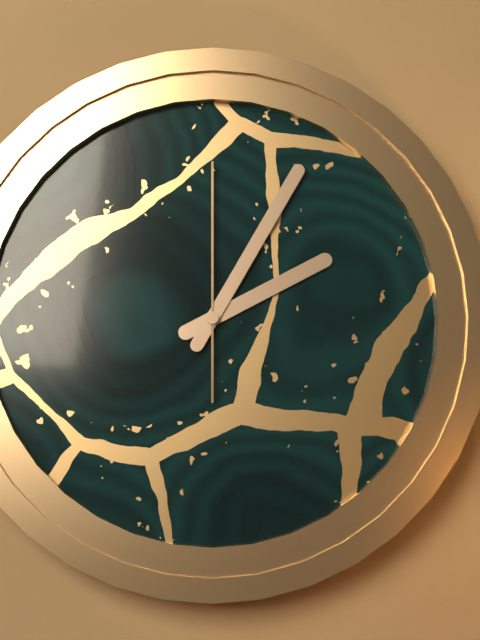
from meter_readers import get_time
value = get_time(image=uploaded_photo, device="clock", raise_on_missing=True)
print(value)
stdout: 2:05:00
